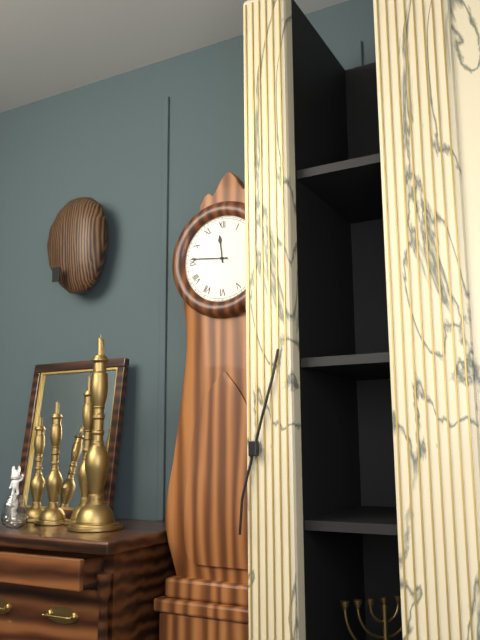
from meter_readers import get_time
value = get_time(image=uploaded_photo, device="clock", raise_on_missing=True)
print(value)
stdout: 11:46
